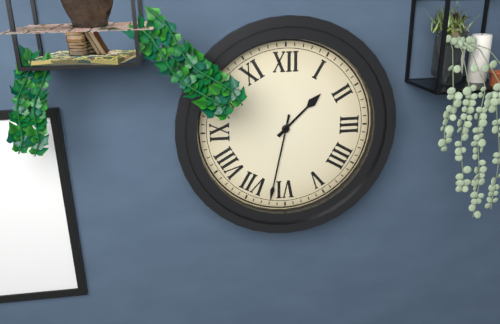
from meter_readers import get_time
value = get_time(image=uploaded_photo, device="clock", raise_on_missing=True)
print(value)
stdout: 1:32
